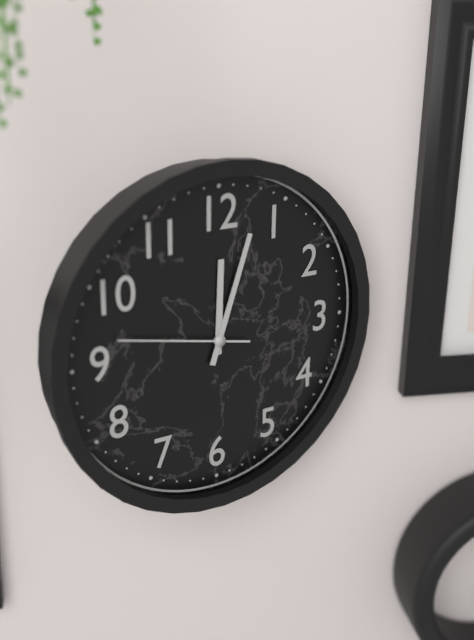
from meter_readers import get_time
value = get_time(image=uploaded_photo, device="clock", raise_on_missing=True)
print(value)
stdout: 12:03:47
